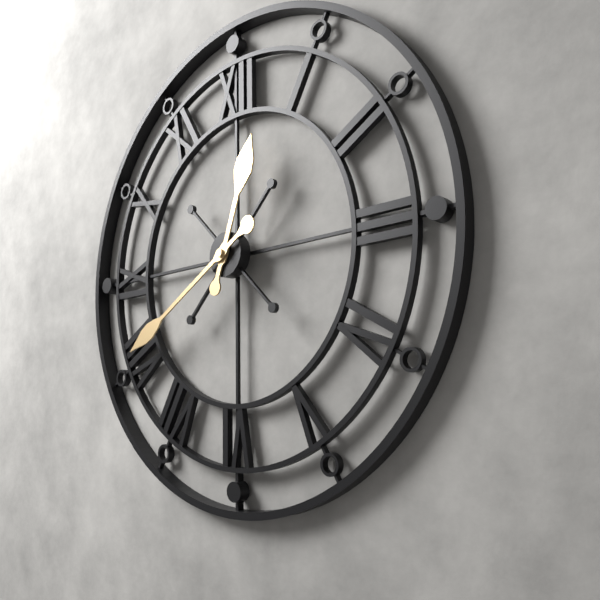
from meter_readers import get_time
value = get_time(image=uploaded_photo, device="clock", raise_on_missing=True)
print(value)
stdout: 12:40
